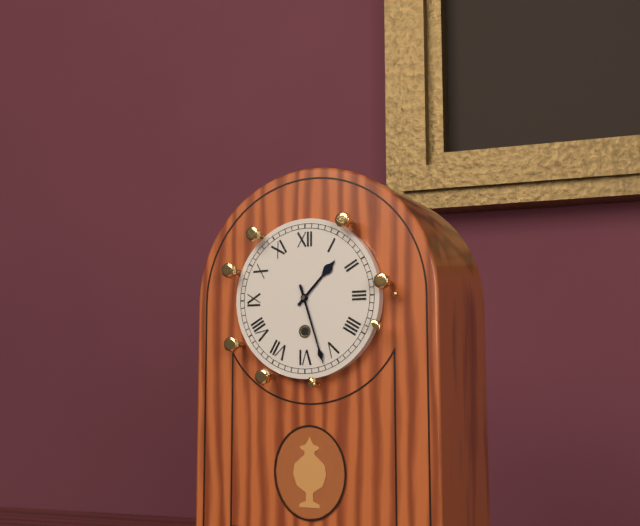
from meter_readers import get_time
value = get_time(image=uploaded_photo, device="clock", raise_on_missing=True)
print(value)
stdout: 1:27
